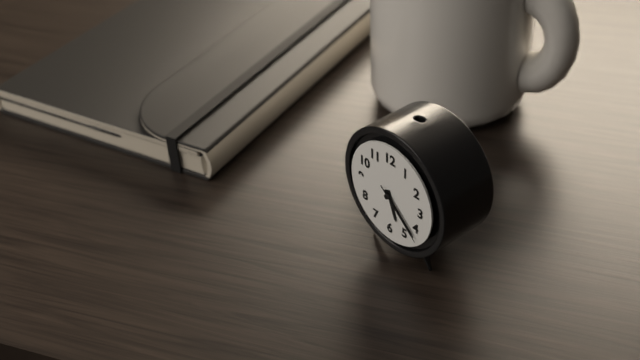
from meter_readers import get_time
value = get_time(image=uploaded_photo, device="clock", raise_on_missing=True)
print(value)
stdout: 5:22:22
